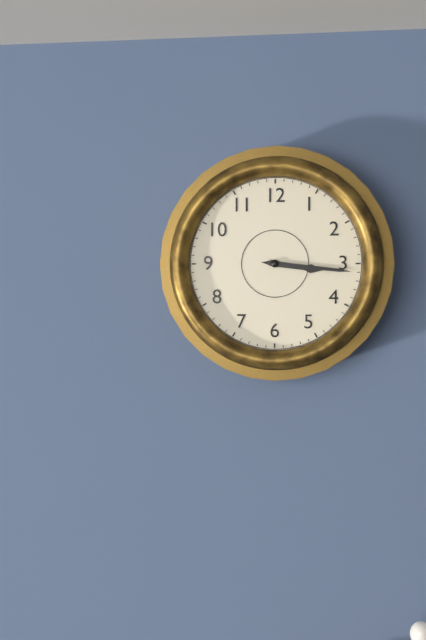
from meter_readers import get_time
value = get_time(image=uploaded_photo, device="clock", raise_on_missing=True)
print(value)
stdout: 3:16
